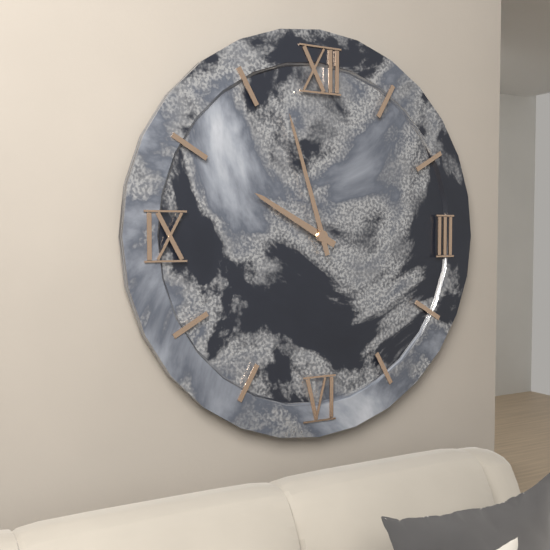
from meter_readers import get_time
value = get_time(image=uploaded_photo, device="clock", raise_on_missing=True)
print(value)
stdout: 9:57
